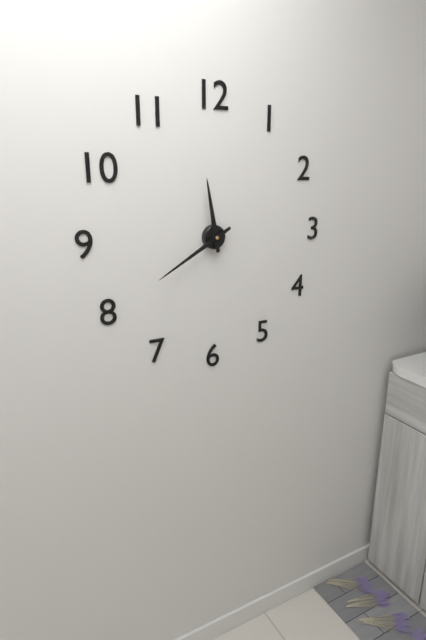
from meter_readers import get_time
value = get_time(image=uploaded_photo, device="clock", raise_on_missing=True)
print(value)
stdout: 11:40
